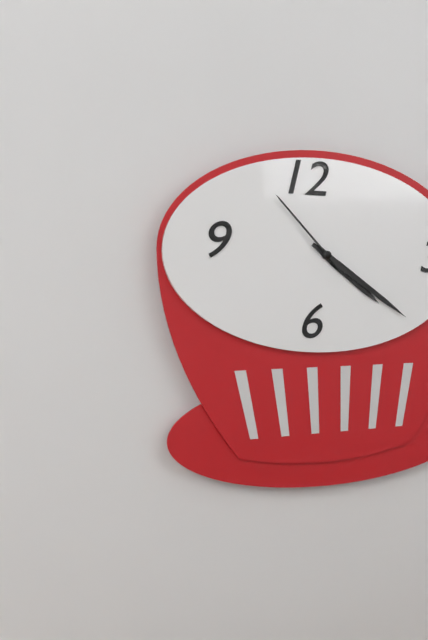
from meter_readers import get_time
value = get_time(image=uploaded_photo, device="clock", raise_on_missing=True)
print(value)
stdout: 4:21:53
